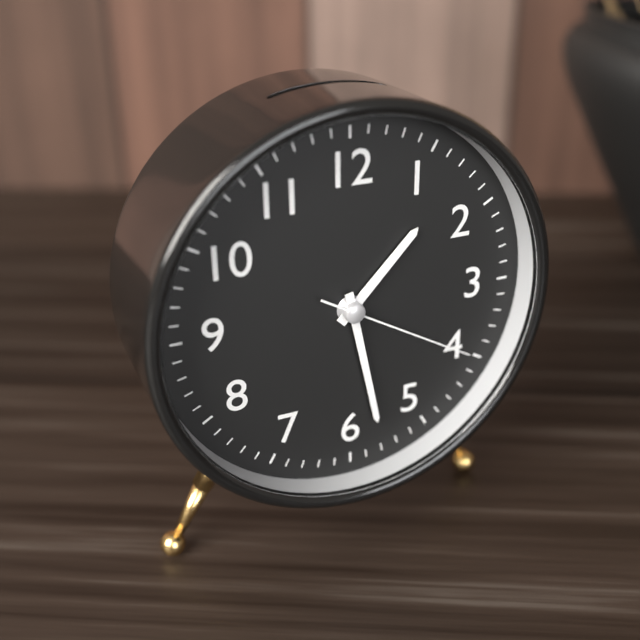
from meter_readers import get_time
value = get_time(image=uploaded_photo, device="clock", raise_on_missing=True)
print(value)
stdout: 1:28:20
